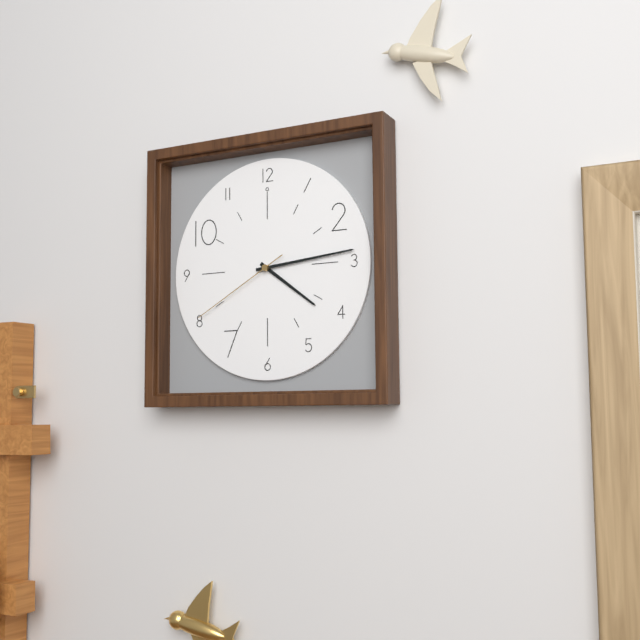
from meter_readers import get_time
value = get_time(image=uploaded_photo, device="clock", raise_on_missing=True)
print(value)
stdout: 4:14:40
